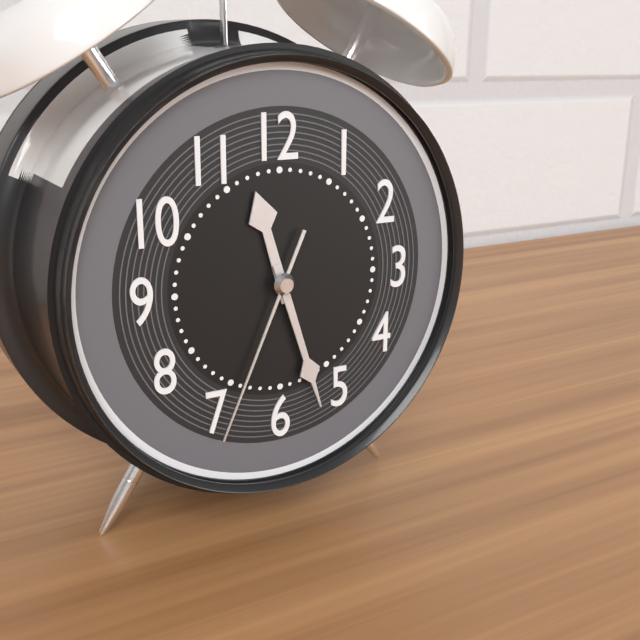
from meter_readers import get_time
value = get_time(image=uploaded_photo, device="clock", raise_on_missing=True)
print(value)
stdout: 11:27:34
